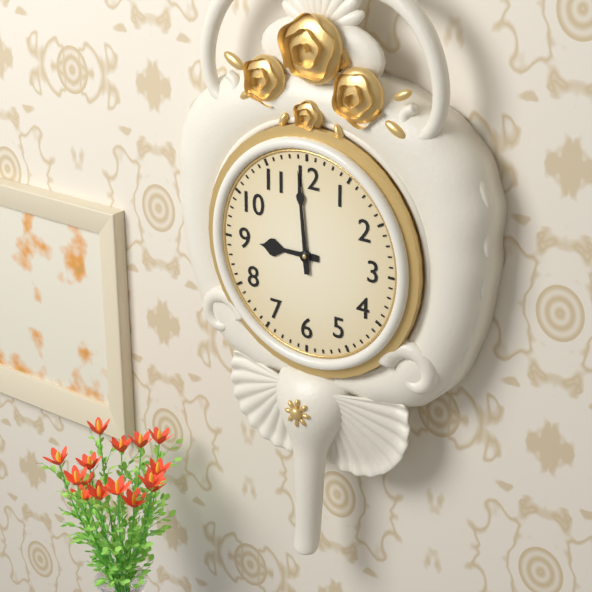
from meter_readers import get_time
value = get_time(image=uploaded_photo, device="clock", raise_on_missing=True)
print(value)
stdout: 8:59
